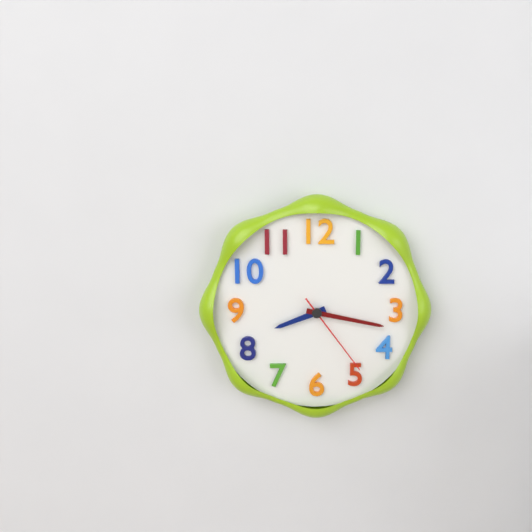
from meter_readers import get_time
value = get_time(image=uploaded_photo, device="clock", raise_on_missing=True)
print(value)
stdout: 8:17:24
